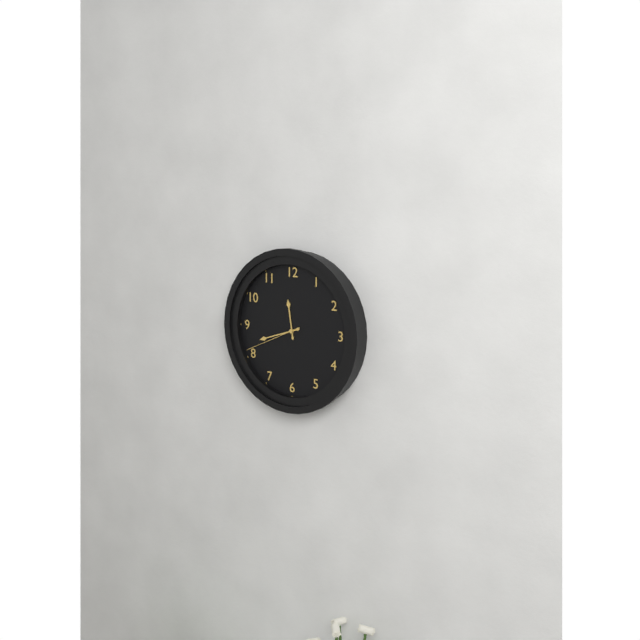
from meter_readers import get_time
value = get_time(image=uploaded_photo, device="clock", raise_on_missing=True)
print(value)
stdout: 11:42:41
